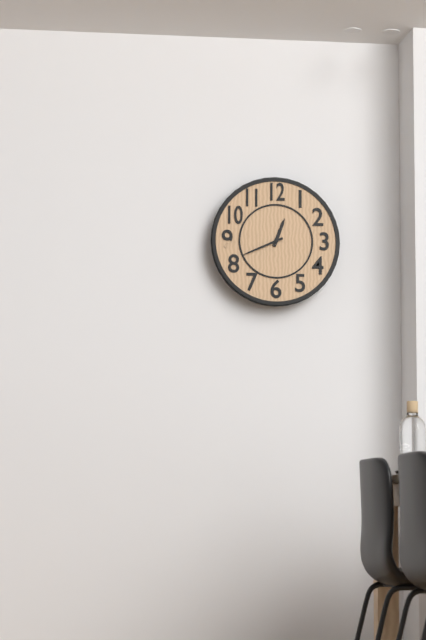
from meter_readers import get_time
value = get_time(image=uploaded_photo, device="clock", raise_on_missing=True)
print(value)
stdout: 12:41
